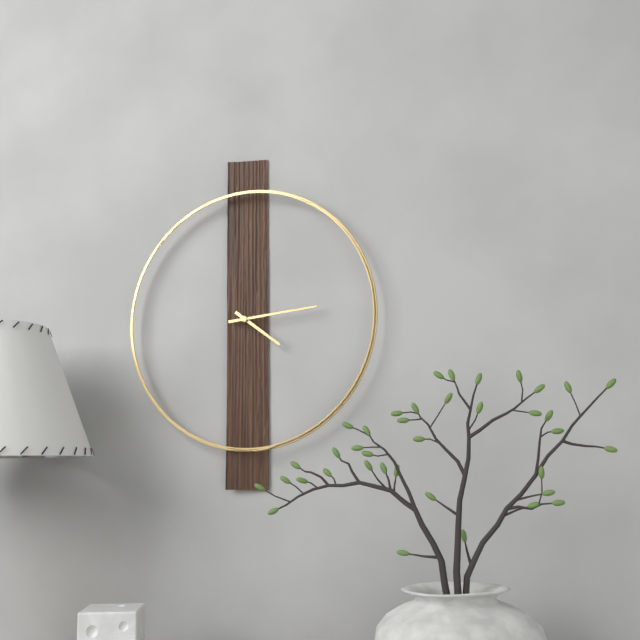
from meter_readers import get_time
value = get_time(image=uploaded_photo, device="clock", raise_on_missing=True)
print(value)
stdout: 4:14
